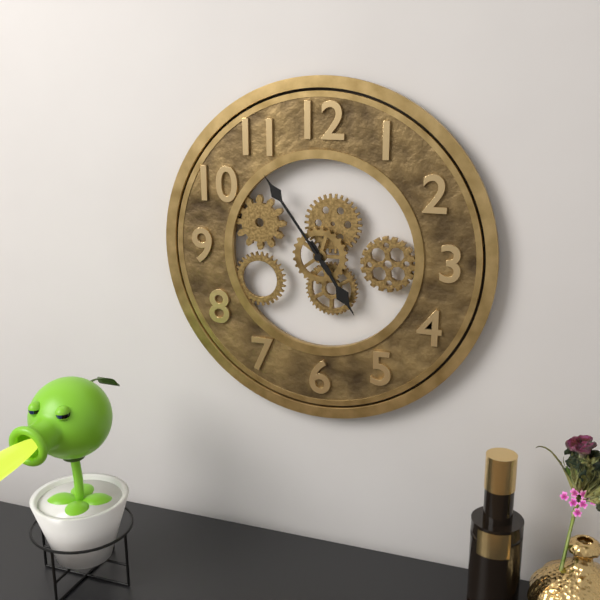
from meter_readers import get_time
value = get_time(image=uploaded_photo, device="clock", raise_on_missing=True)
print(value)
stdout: 4:54
